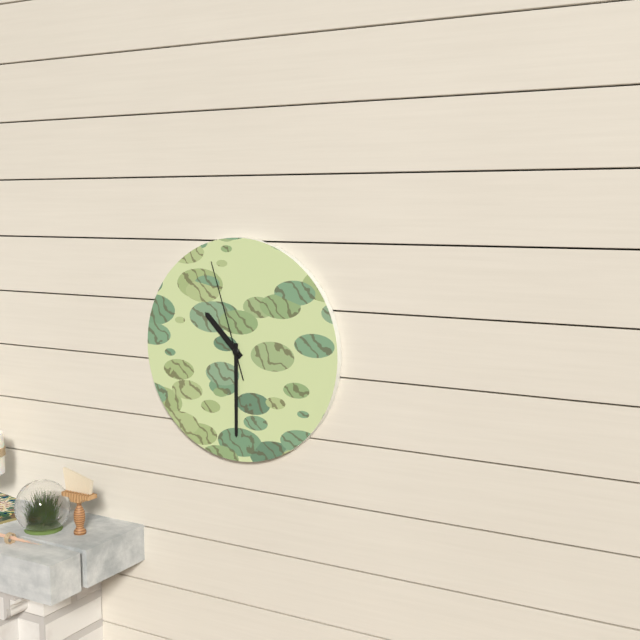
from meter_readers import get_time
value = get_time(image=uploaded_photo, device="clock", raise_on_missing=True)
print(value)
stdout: 10:30:57
